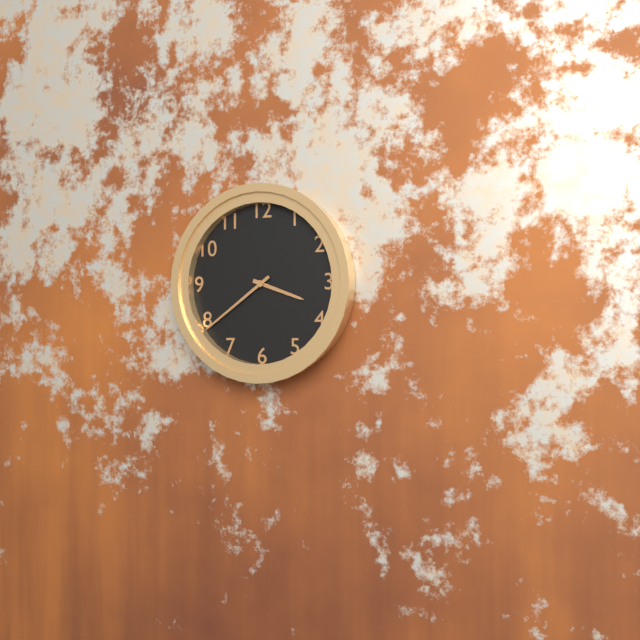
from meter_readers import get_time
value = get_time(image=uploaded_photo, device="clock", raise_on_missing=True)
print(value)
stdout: 3:39
